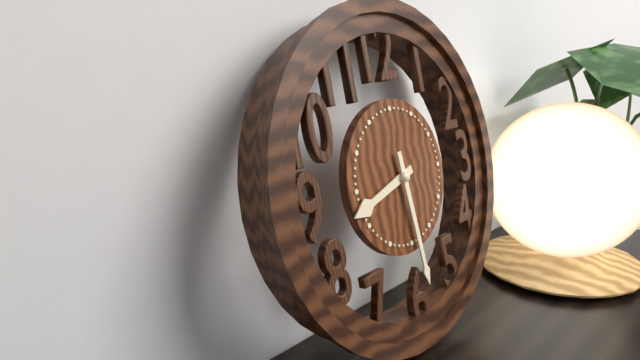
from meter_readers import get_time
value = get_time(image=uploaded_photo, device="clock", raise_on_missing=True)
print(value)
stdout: 8:29
